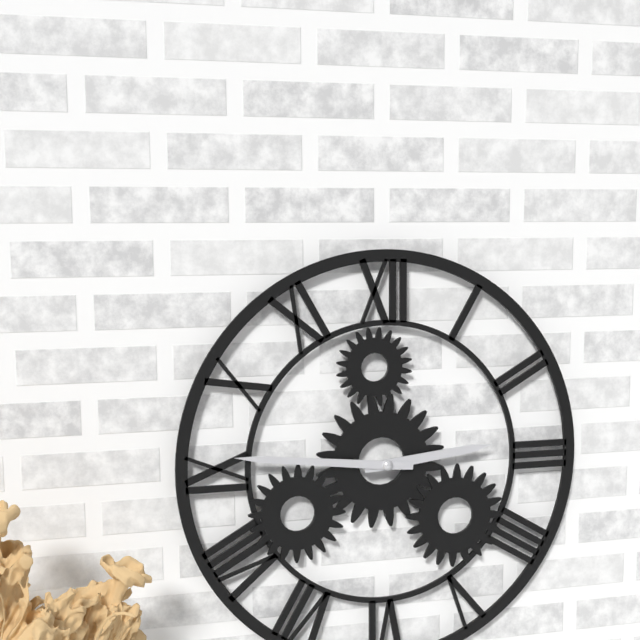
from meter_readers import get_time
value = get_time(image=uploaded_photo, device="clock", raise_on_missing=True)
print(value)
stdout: 2:46
